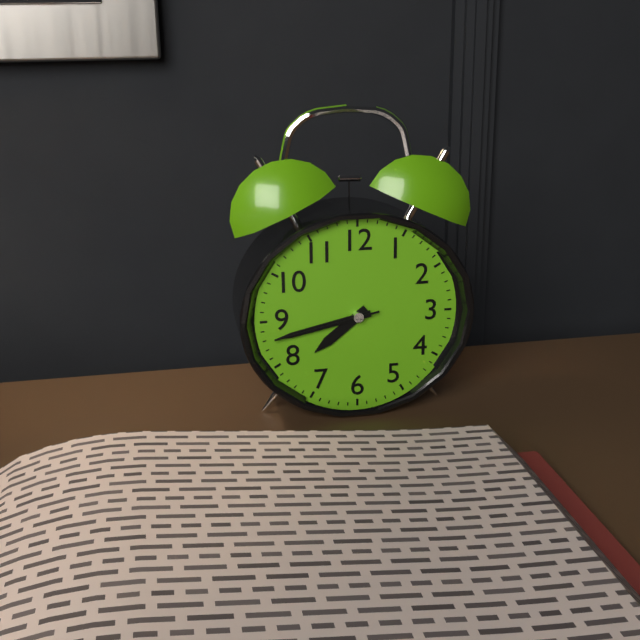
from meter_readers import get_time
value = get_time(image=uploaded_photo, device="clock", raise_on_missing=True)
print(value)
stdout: 7:43:43
